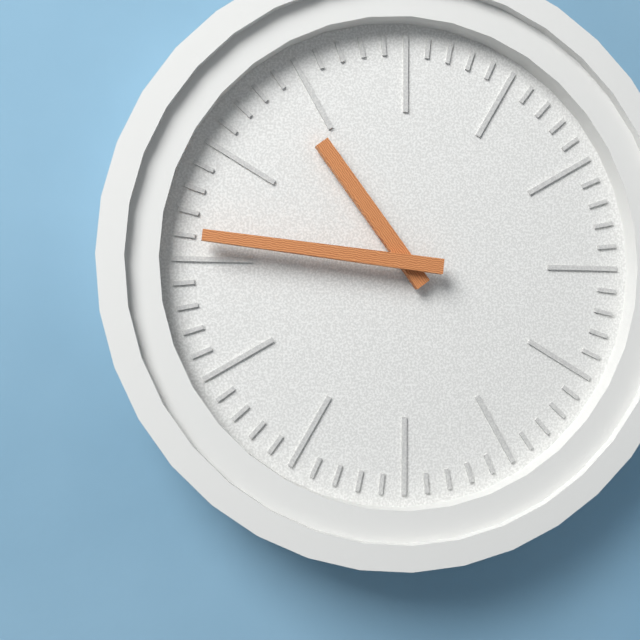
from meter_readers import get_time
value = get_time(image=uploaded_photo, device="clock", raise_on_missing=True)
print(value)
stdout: 10:46
